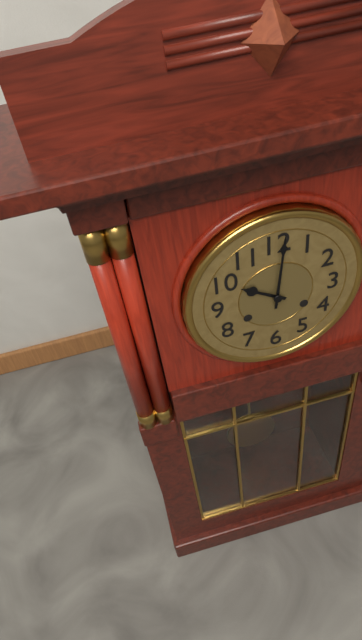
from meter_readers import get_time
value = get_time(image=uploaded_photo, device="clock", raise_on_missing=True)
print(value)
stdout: 10:01
